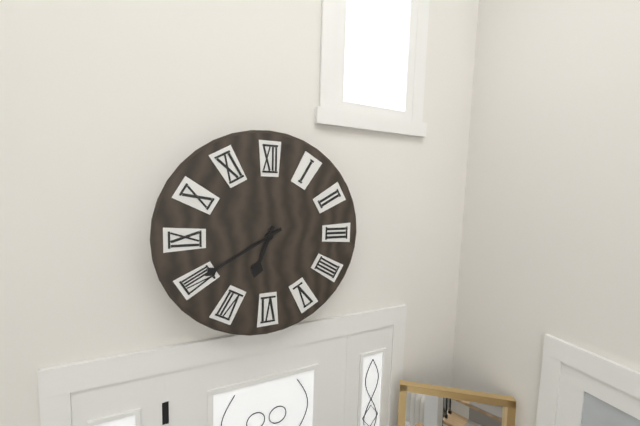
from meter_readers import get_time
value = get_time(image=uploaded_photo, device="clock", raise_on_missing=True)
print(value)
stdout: 6:40
